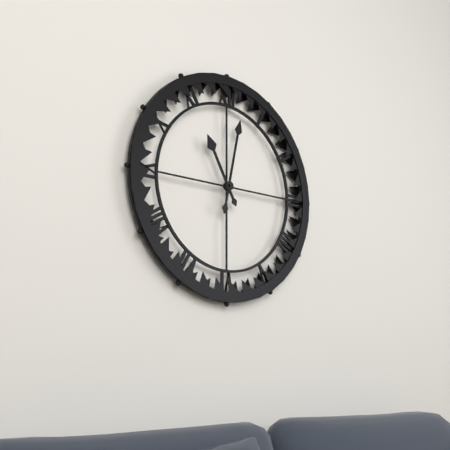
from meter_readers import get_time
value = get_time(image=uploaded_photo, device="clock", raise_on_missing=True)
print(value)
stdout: 11:02
